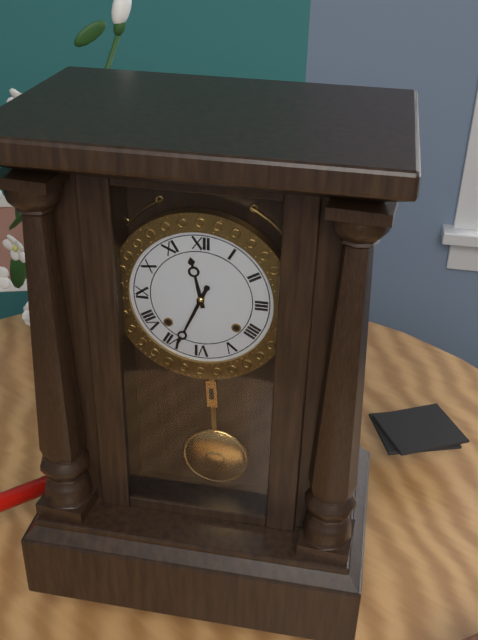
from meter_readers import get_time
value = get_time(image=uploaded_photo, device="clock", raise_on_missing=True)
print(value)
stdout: 11:34
